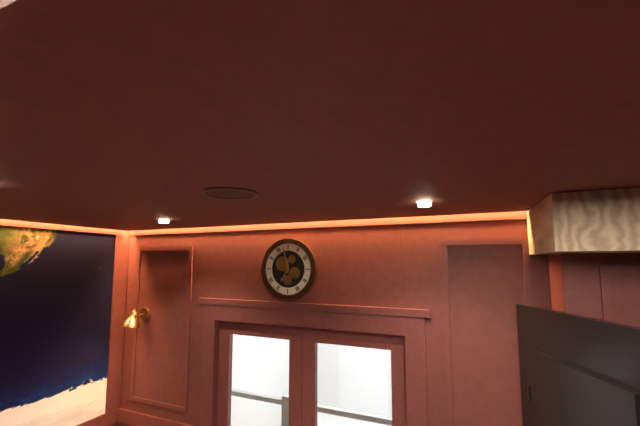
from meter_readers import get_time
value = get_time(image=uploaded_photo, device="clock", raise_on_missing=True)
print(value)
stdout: 6:58
